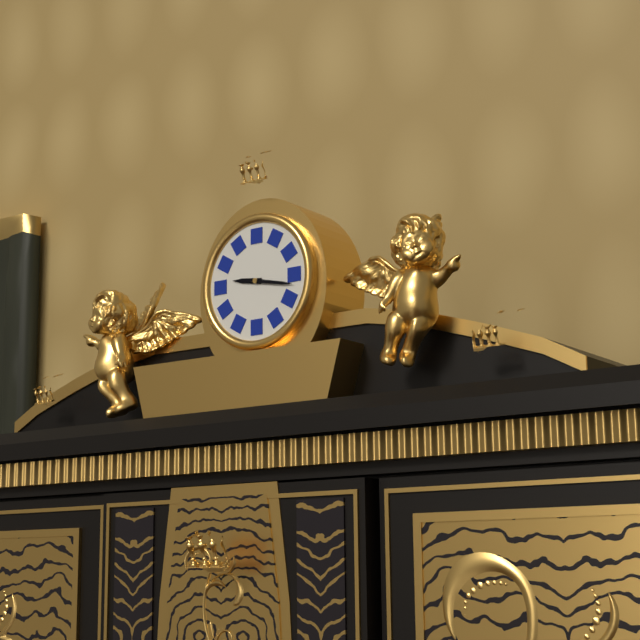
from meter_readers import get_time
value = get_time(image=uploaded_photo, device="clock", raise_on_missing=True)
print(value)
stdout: 9:17
